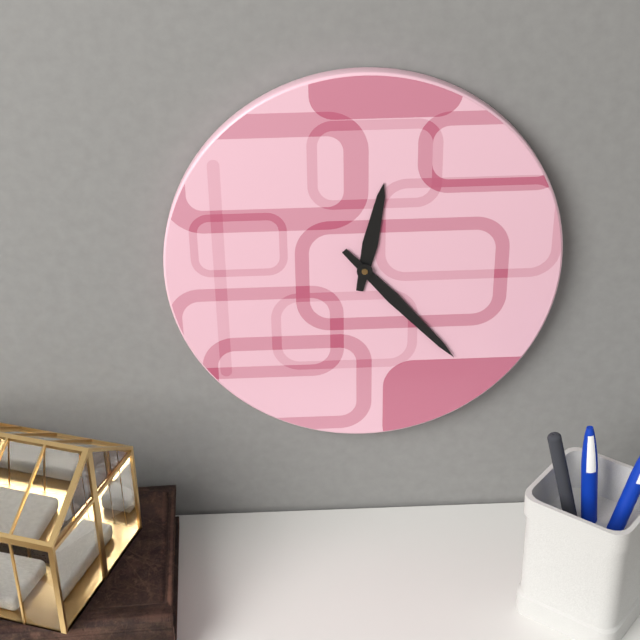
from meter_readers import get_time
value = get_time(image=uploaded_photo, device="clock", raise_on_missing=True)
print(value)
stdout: 12:23
